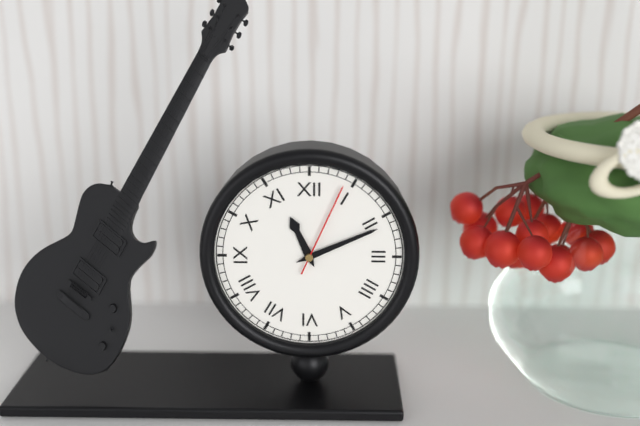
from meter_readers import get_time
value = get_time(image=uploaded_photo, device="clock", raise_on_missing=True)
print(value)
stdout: 11:11:04
